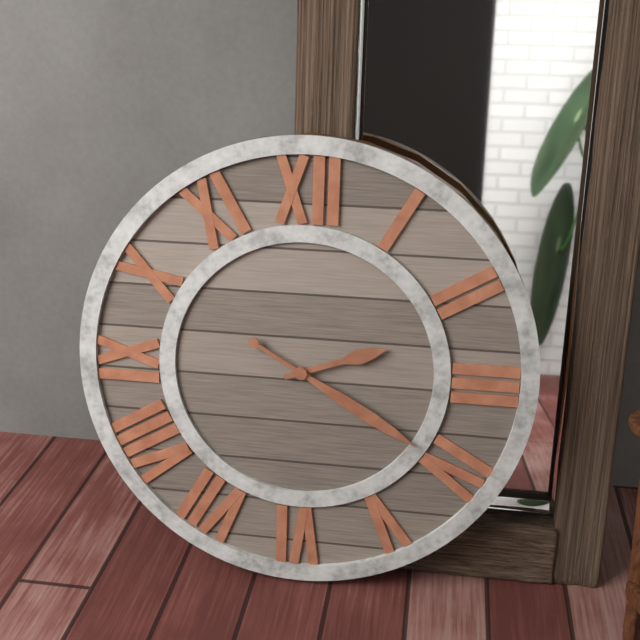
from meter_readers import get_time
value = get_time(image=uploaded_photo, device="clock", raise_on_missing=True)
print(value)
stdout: 2:20
